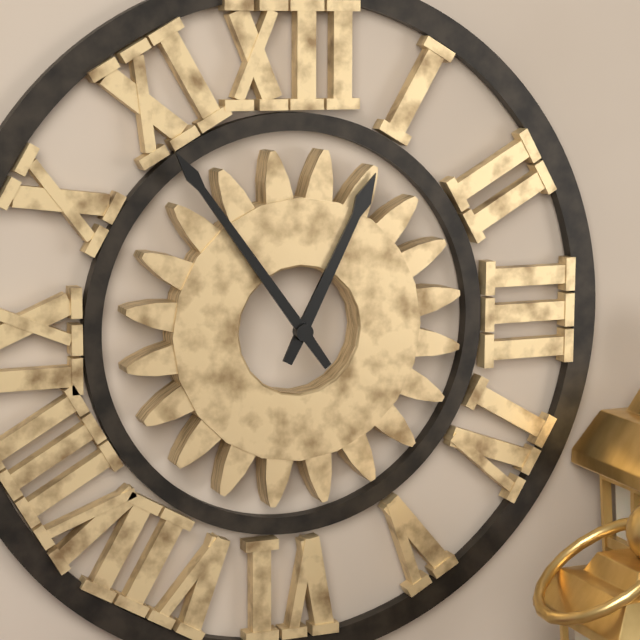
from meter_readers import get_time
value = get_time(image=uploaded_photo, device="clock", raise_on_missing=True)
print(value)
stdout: 12:54
